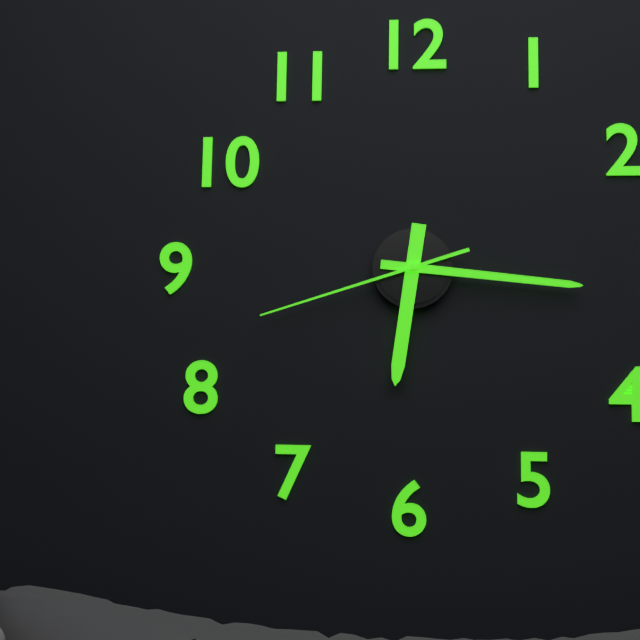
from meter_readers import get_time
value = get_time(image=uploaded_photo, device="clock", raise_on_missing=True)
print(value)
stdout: 6:16:42
